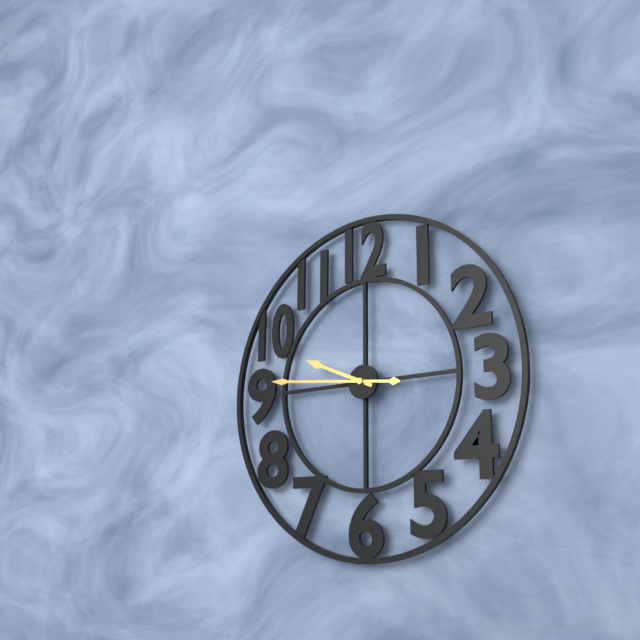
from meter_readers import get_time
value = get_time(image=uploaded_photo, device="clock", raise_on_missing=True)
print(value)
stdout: 9:46
